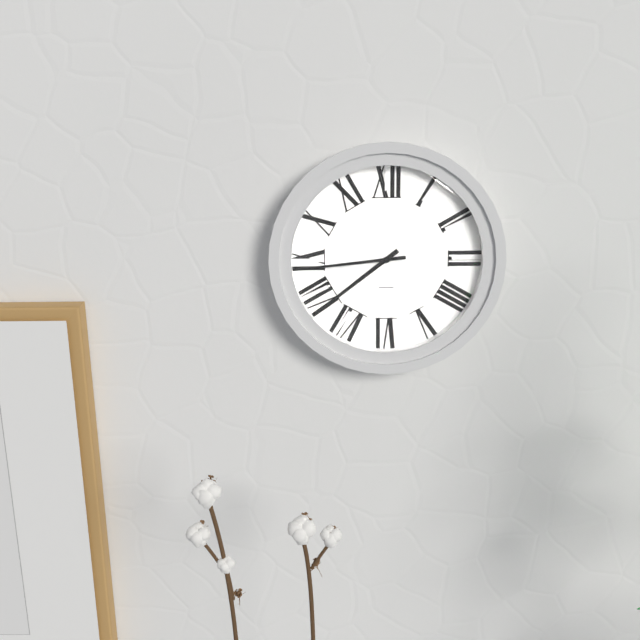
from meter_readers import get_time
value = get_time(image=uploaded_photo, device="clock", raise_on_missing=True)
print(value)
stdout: 7:44
